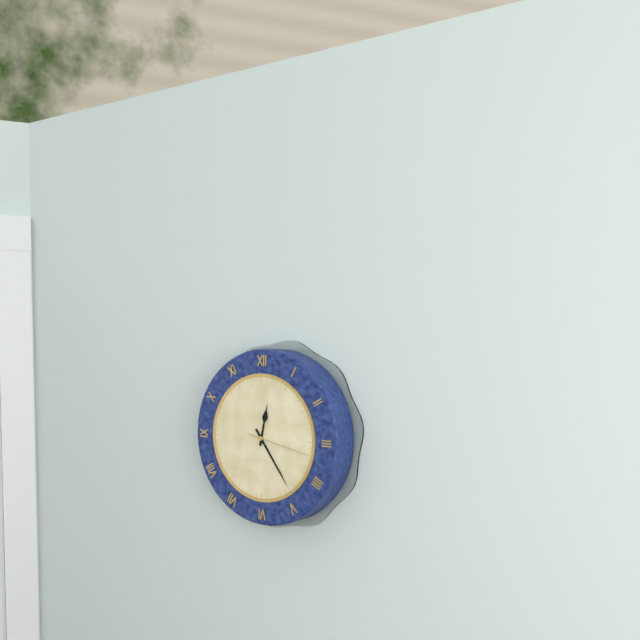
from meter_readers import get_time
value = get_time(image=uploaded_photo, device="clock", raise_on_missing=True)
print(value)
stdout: 12:24:17
